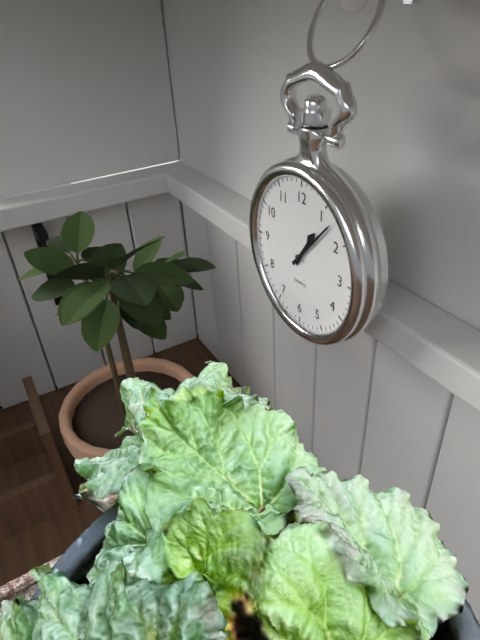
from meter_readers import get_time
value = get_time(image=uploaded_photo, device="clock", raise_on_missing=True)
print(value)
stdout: 1:07
